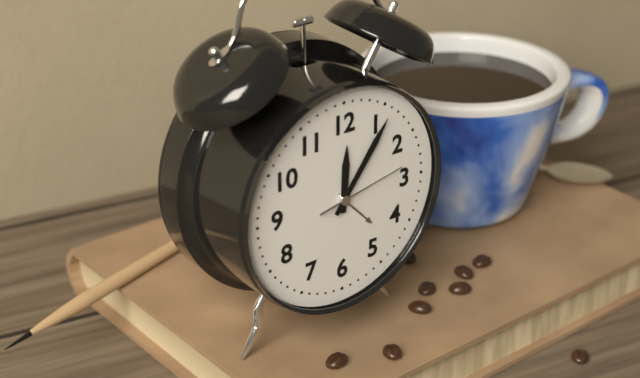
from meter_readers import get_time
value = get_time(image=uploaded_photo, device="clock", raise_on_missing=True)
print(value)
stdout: 12:06:13
